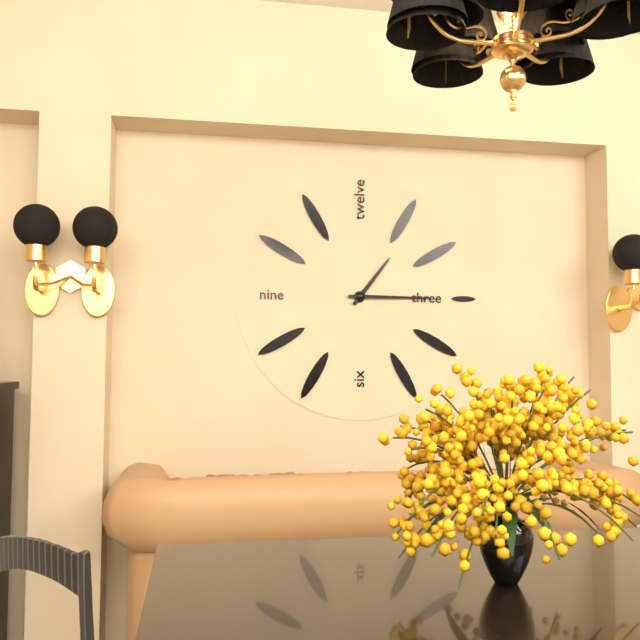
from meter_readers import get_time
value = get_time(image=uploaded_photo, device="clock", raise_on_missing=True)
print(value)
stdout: 1:15
